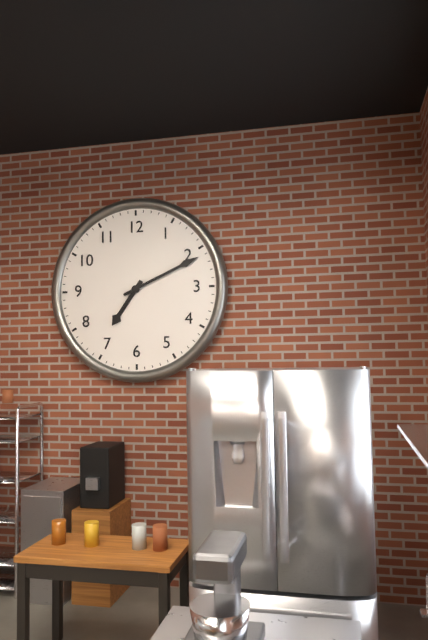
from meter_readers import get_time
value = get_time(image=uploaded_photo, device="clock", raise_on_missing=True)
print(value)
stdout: 7:11
